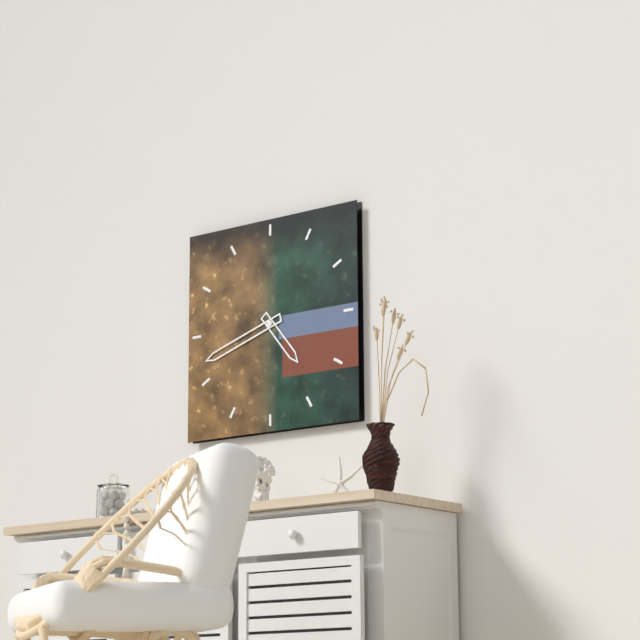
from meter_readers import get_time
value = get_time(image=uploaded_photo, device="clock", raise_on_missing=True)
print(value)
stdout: 4:42
